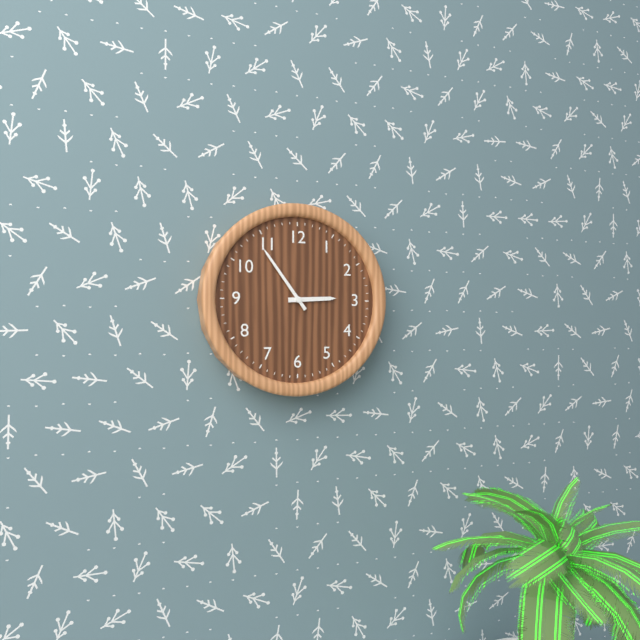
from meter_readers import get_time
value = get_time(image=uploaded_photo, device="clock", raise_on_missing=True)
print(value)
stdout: 2:54
